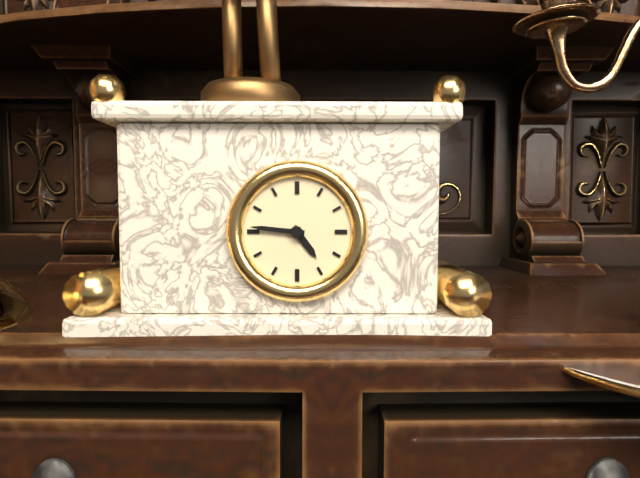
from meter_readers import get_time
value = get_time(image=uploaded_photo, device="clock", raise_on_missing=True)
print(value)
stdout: 4:46
